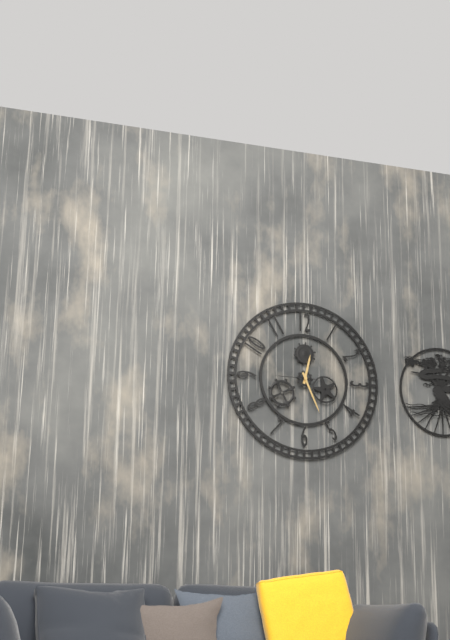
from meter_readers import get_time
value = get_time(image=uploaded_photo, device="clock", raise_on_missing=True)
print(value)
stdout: 12:26
